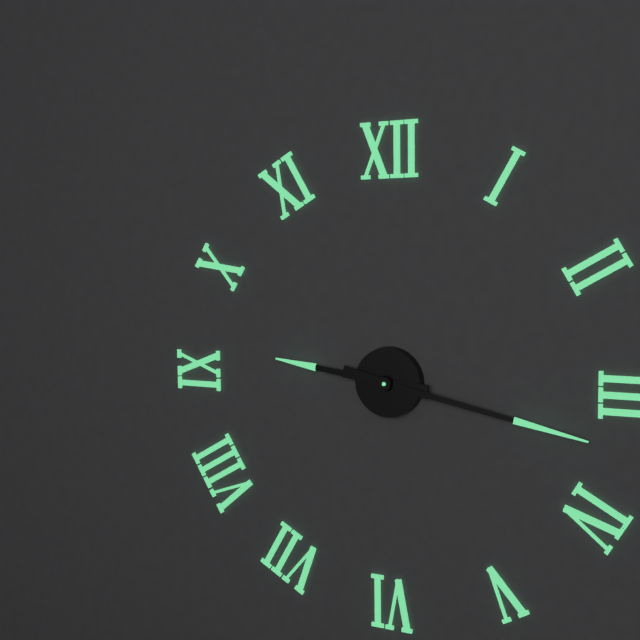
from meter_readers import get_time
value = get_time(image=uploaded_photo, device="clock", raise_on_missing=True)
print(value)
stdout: 9:17
